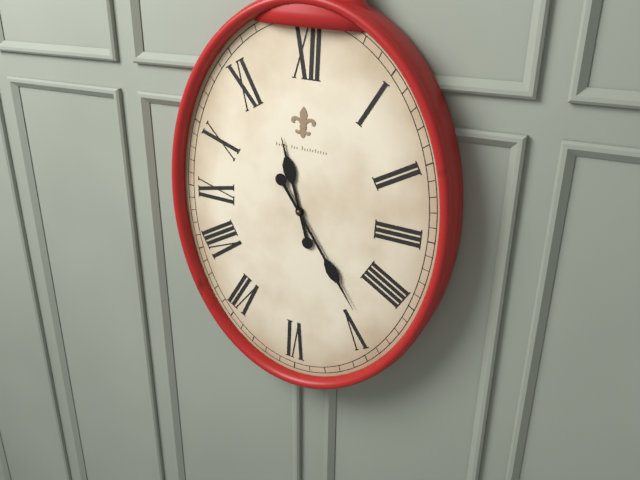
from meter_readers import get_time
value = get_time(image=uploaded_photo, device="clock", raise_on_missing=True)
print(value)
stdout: 11:24
